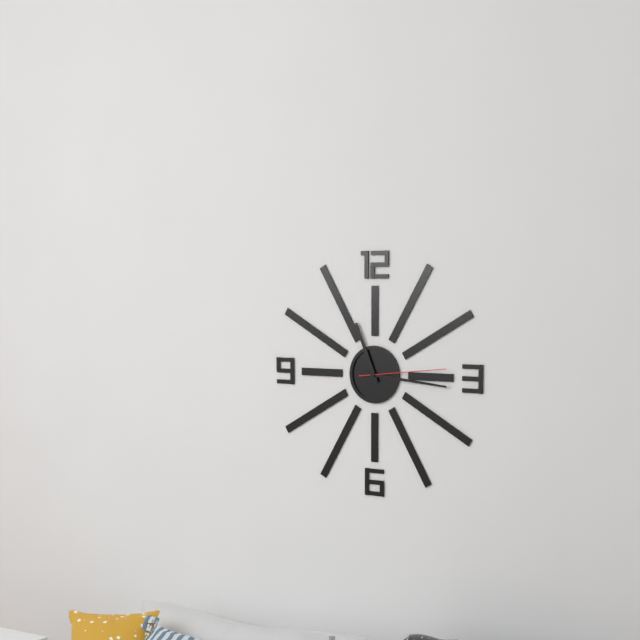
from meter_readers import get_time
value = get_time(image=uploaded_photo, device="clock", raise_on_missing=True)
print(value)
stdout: 11:16:14
